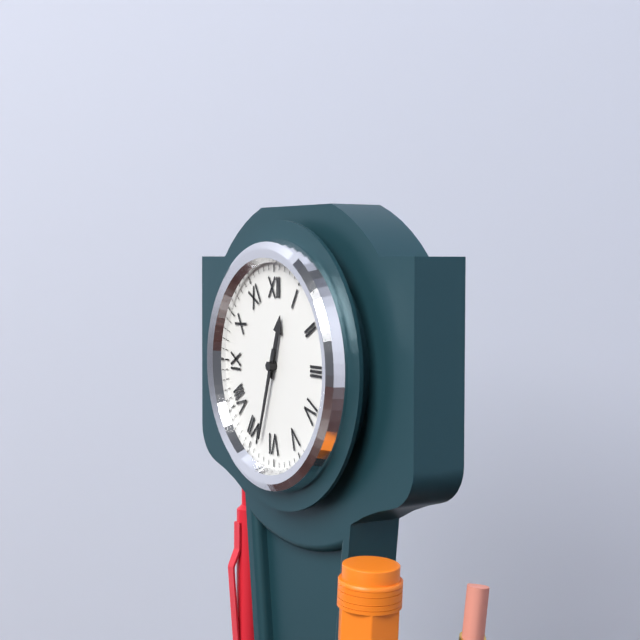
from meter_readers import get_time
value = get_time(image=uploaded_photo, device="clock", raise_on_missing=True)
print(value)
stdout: 12:33
